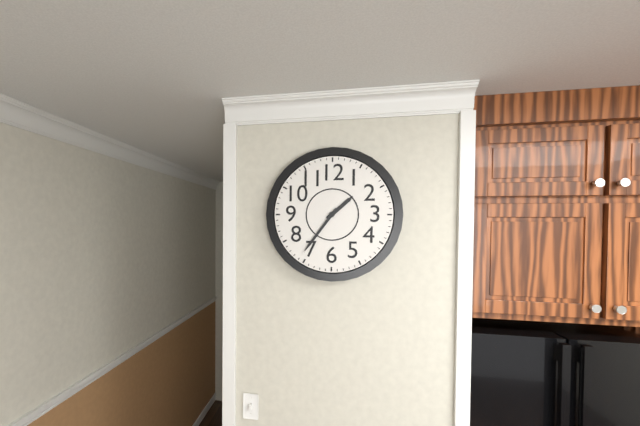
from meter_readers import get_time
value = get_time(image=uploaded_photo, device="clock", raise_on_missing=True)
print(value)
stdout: 1:36
